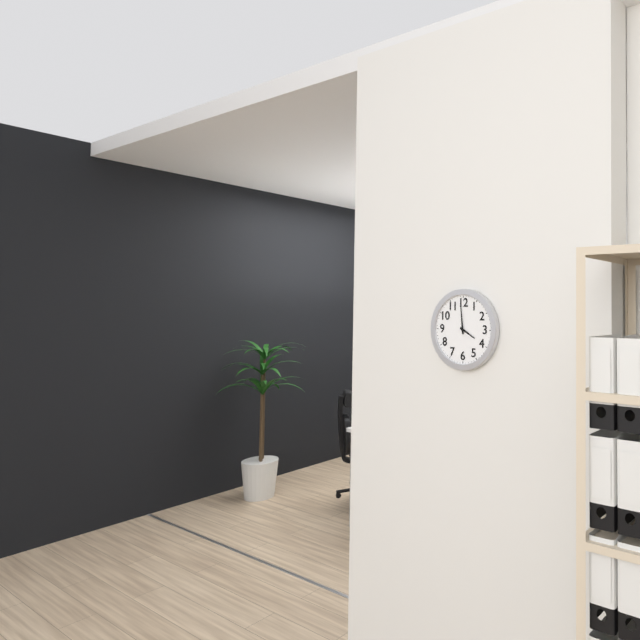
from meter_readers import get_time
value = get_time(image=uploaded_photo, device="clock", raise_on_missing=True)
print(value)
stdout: 3:59
